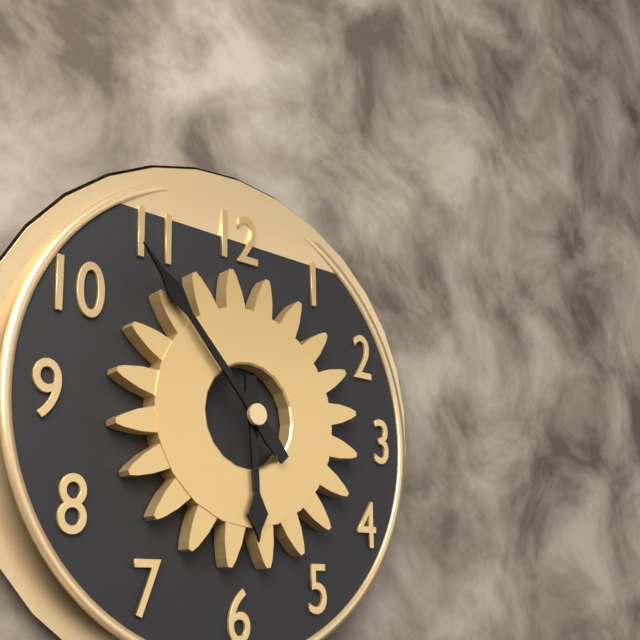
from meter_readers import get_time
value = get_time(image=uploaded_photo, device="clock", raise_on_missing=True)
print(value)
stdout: 5:53
